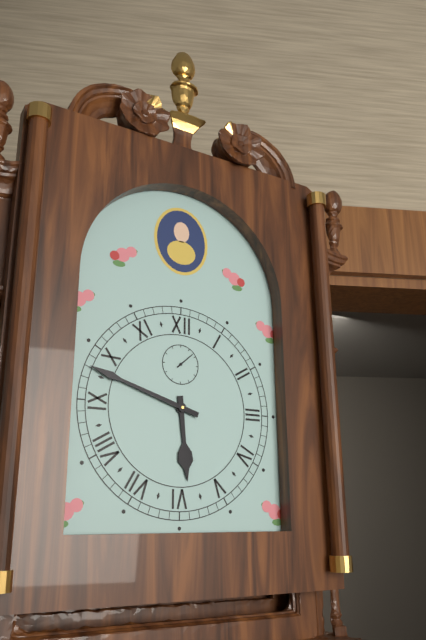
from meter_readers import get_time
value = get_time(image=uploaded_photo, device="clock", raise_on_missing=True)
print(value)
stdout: 5:48
